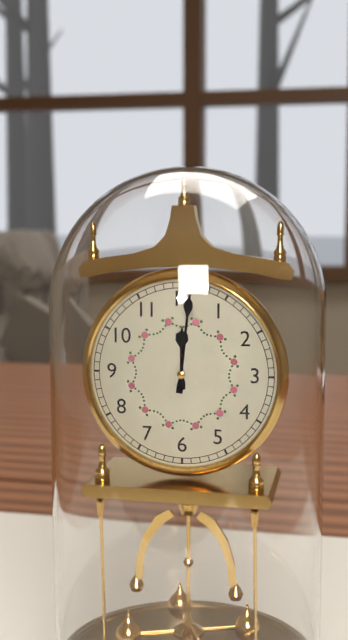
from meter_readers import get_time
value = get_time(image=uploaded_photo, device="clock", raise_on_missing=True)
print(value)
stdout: 12:01
